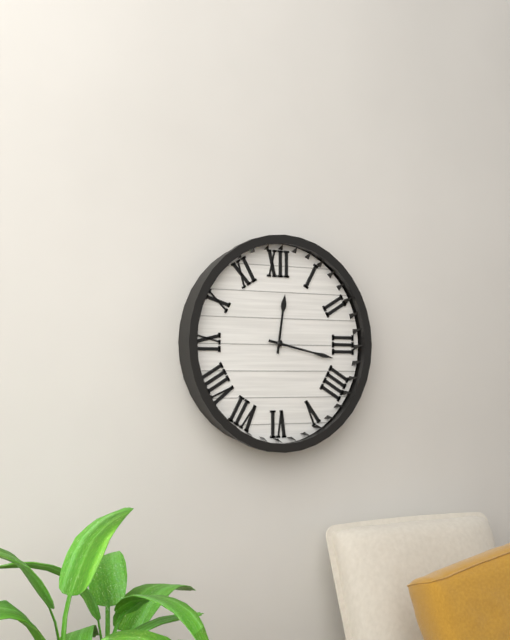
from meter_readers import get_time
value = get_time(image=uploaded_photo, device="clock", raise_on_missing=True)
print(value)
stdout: 12:17
